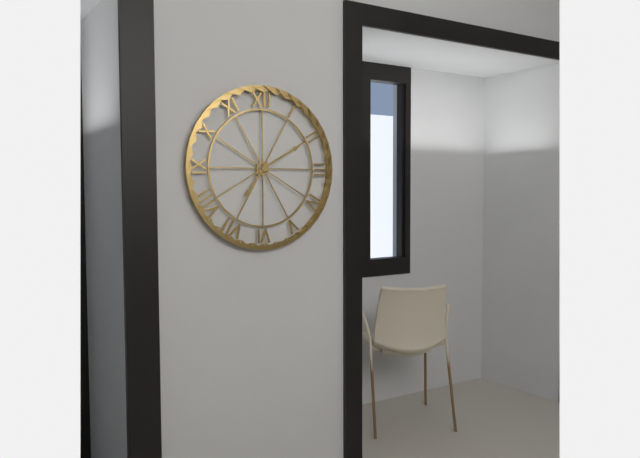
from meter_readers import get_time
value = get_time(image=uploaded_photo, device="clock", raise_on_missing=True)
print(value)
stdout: 7:10
